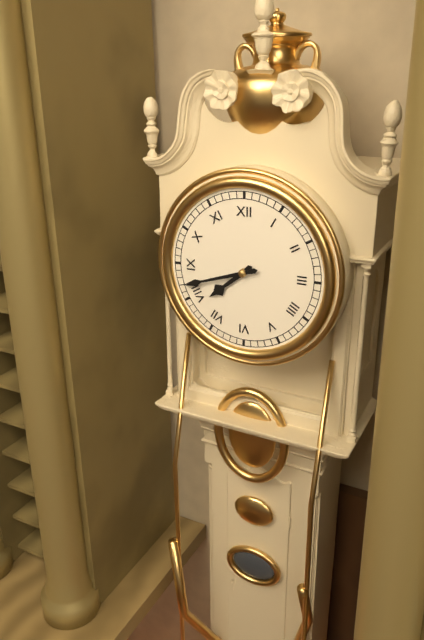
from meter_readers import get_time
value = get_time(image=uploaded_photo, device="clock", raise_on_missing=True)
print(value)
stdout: 7:42
